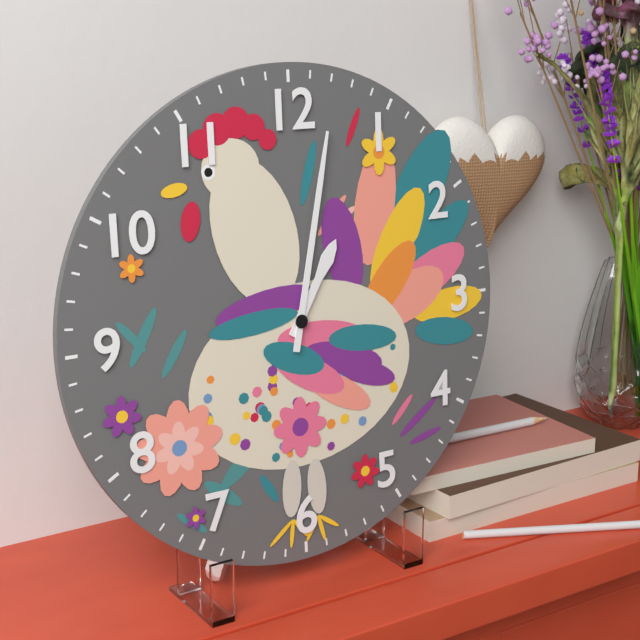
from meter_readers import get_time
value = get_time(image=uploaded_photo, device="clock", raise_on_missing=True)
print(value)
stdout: 1:02
